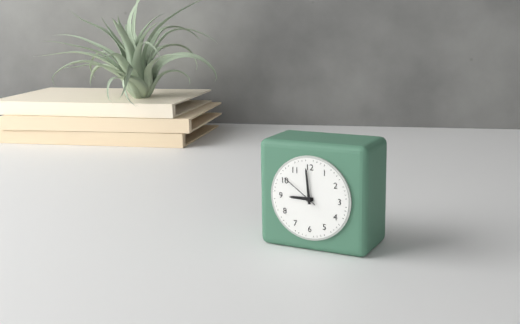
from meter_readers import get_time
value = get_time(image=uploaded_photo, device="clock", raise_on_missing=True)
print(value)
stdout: 8:59
